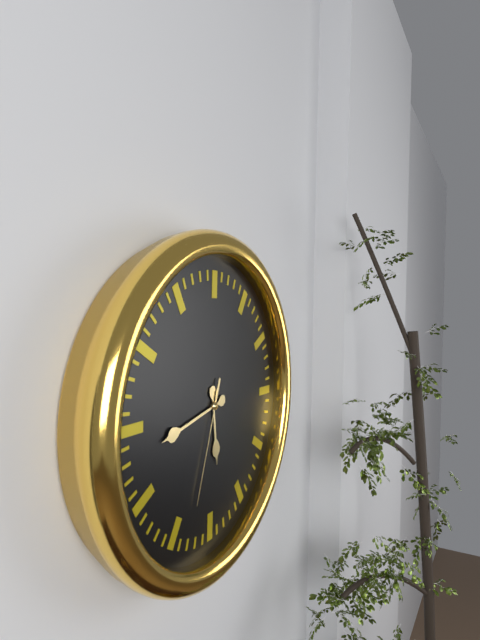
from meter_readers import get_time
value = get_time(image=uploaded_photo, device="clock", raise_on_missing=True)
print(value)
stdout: 5:43:33
